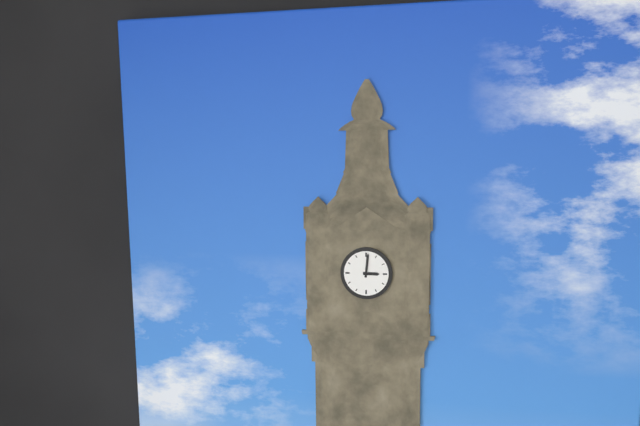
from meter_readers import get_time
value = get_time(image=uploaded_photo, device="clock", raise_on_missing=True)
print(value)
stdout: 3:01
